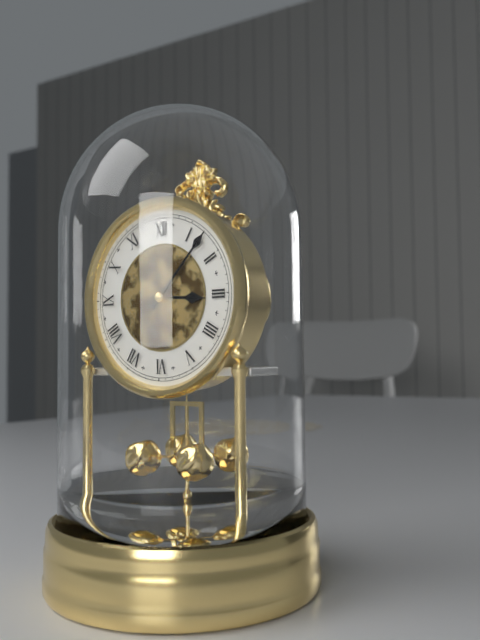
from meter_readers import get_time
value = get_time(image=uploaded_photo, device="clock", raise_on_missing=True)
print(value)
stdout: 3:07
